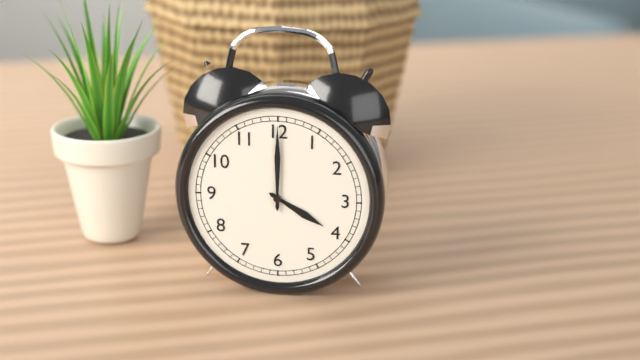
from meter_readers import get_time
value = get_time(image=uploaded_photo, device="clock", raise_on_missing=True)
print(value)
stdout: 4:00
